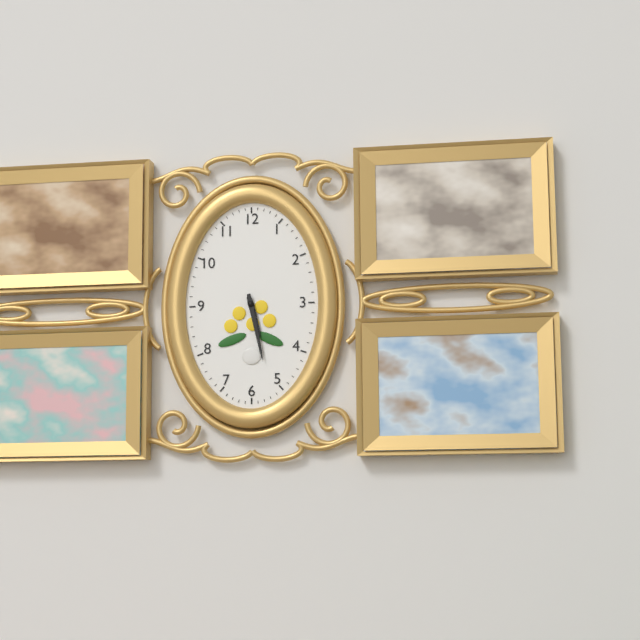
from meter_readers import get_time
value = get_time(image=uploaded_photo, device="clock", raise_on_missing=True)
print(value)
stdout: 5:28
